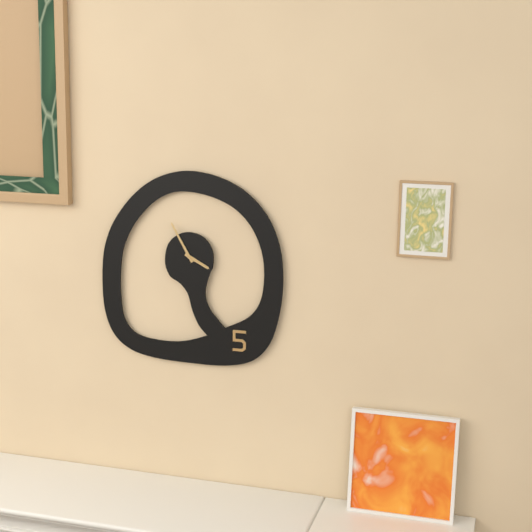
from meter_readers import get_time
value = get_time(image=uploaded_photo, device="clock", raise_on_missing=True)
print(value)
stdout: 3:55
